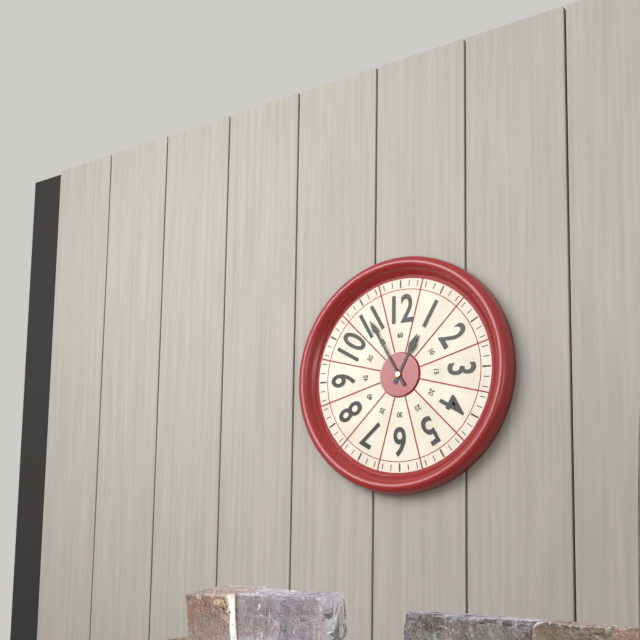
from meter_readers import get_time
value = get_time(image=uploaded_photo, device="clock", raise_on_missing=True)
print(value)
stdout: 12:55
